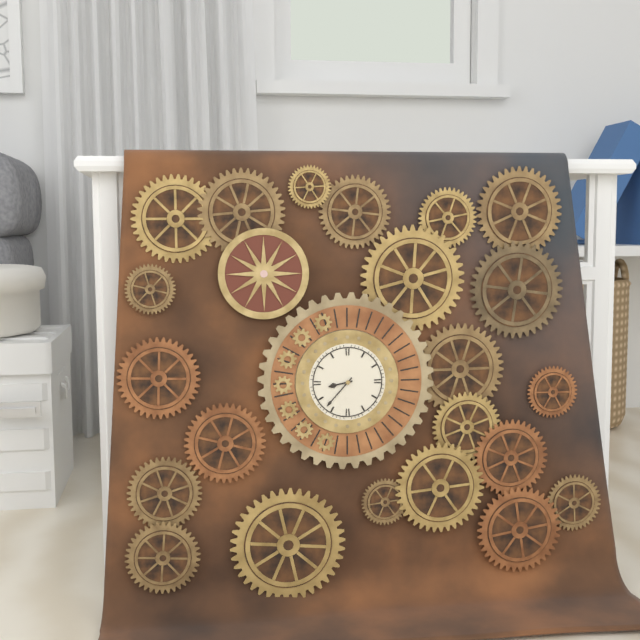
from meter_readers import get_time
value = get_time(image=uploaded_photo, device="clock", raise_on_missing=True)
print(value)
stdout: 8:37
